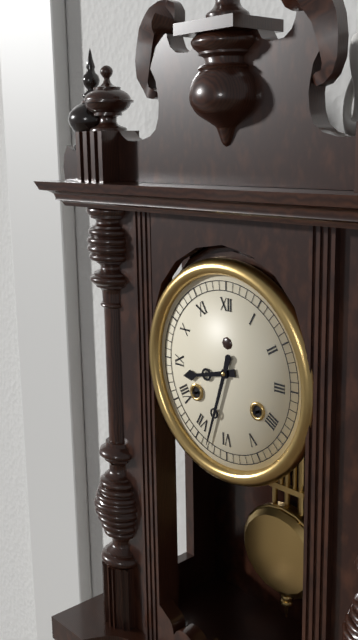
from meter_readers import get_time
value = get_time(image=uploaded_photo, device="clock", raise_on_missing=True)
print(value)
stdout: 8:33
